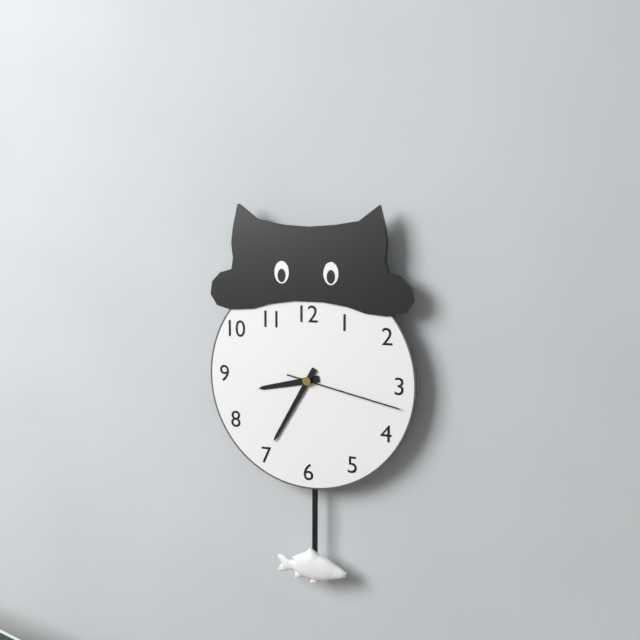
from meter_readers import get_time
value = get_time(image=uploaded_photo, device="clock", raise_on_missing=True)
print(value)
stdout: 8:35:17
